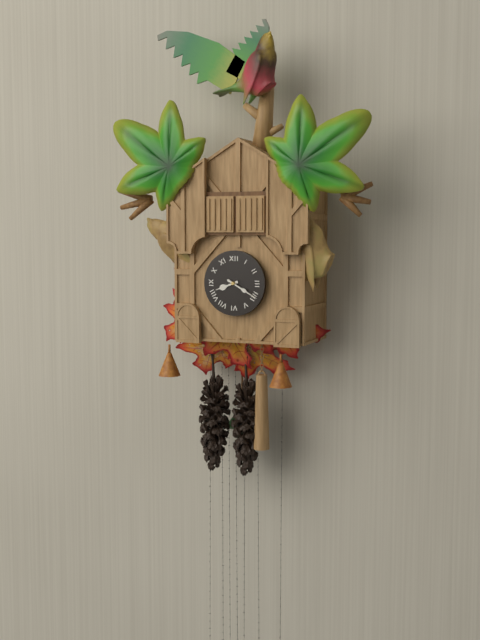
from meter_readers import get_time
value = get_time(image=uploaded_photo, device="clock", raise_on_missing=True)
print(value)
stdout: 8:20
